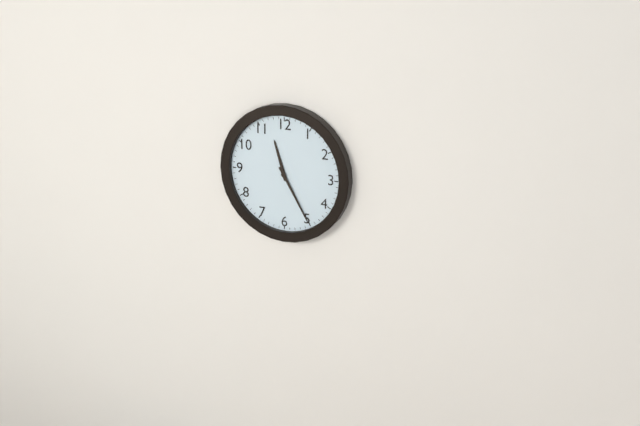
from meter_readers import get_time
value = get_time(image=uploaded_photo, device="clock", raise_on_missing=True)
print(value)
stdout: 11:25
